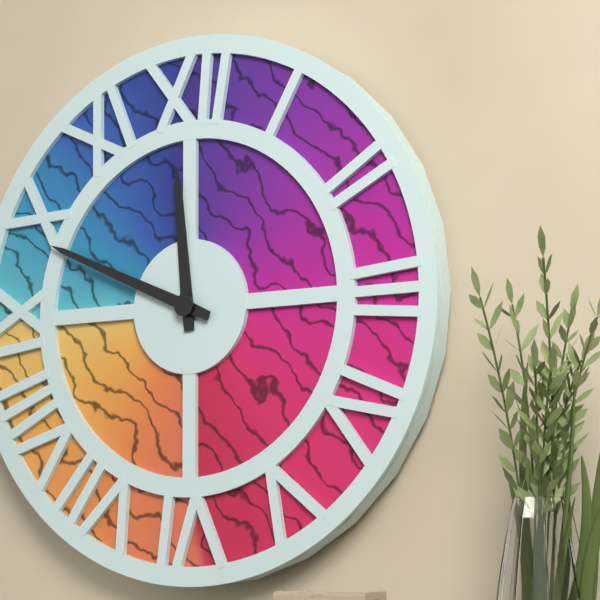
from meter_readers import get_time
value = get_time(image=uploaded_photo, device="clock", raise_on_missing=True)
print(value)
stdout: 11:49
